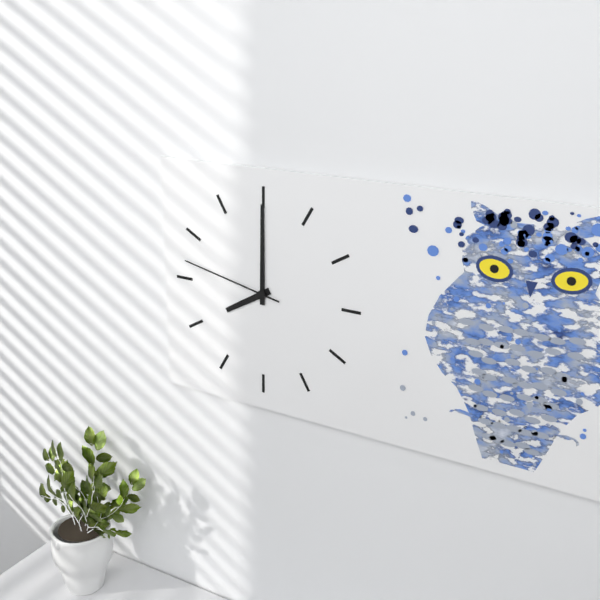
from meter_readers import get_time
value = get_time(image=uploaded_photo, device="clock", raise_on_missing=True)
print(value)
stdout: 8:00:47
